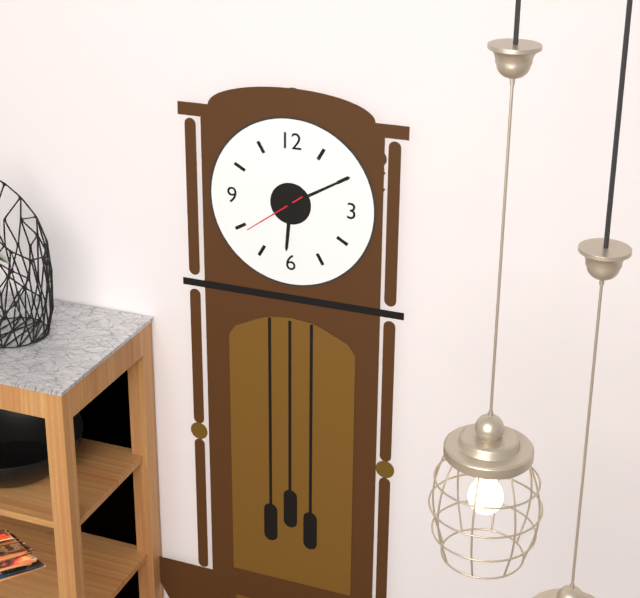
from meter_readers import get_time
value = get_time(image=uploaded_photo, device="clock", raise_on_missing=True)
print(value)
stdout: 6:10:39
